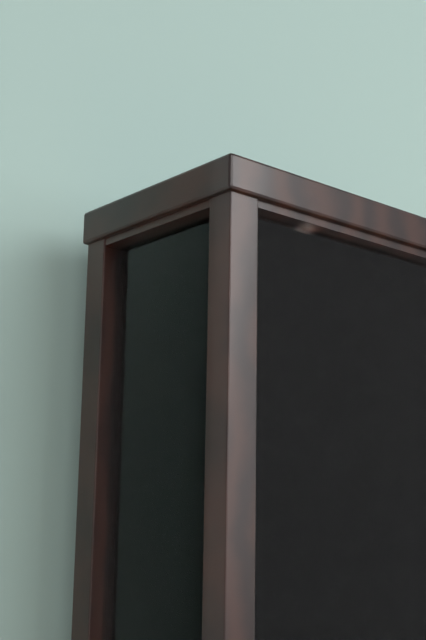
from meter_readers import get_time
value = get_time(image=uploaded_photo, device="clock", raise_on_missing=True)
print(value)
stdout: 10:13
